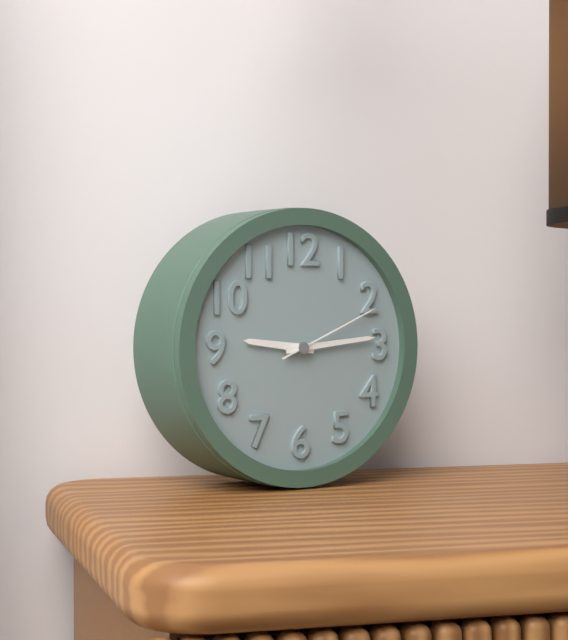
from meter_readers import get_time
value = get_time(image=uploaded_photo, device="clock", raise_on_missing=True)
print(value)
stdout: 9:14:11
